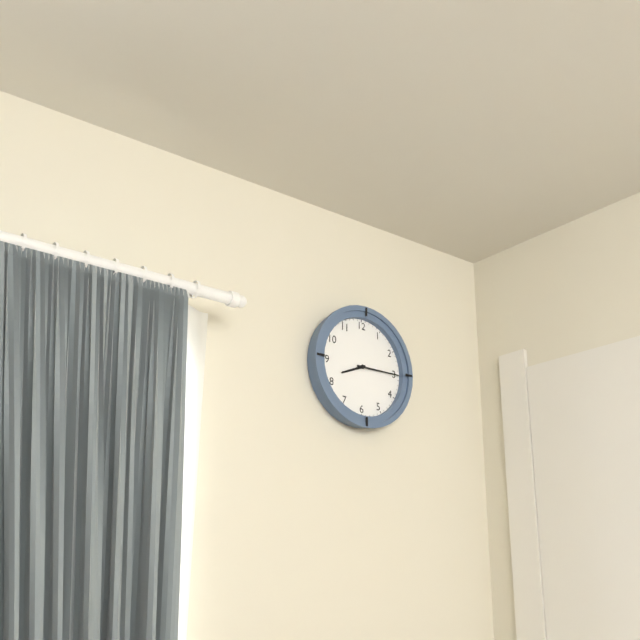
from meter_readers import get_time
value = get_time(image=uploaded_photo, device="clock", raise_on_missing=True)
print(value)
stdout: 8:15
